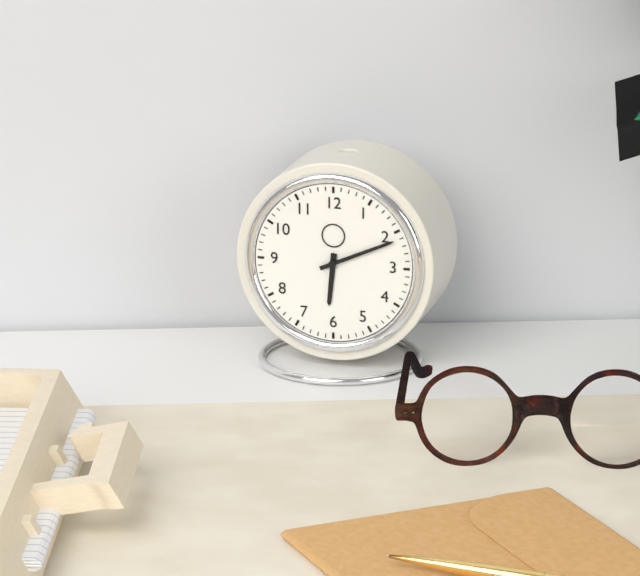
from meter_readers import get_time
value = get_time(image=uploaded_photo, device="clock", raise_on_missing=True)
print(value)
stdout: 6:11
